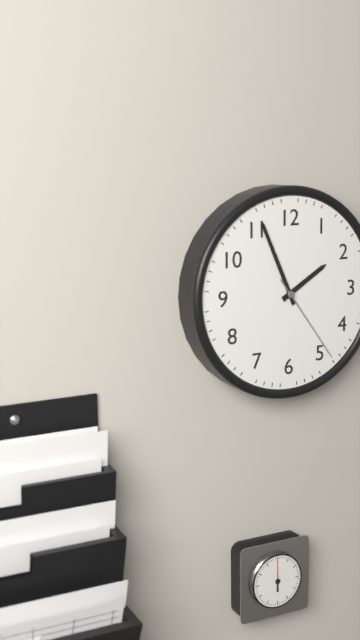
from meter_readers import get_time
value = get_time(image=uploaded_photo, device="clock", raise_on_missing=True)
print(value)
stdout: 1:56:24
